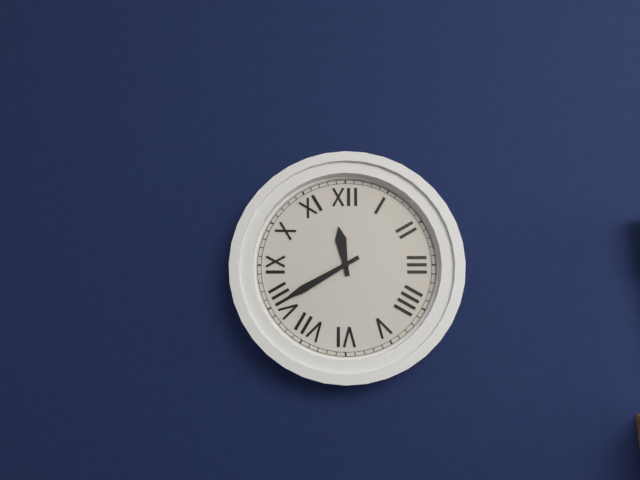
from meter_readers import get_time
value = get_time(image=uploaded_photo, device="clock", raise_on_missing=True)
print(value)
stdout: 11:40
